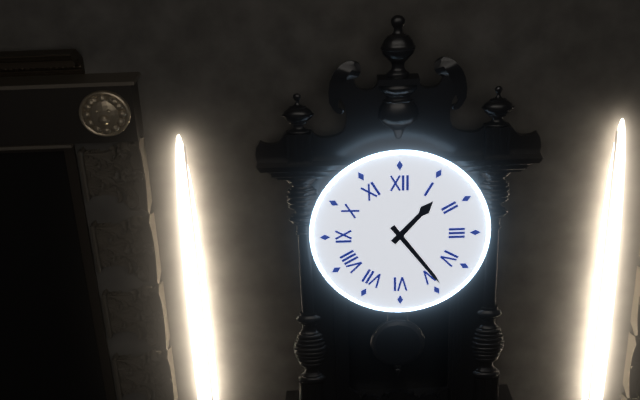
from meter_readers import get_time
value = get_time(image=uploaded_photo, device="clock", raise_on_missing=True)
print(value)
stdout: 1:24
